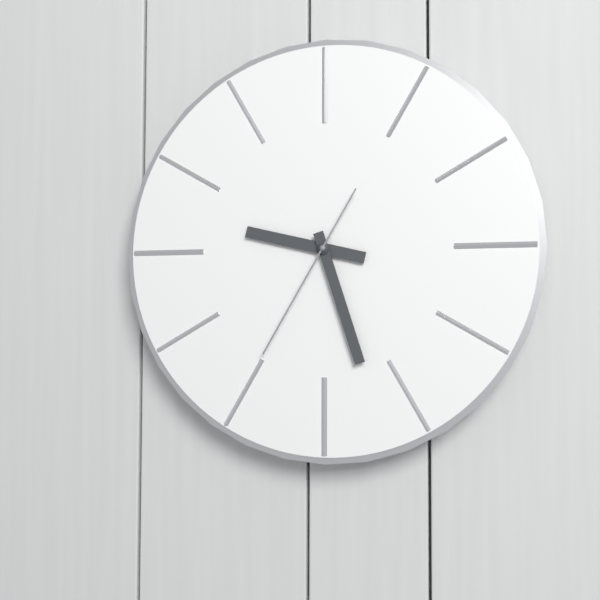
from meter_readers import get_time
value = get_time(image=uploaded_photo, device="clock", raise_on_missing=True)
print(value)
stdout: 9:27:35
